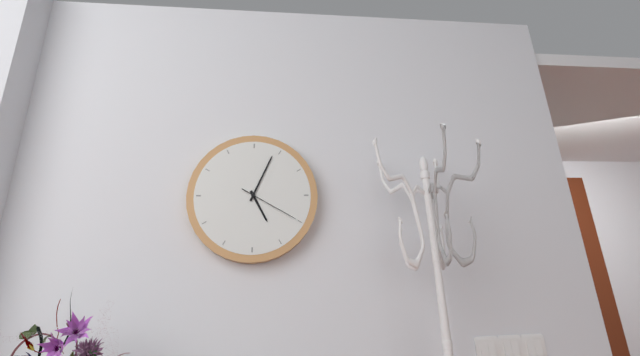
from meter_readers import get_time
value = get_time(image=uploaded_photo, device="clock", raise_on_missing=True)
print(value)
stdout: 5:04:20
